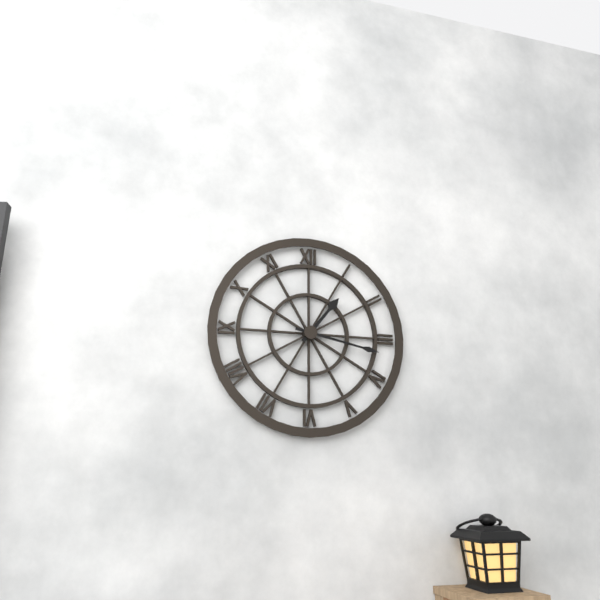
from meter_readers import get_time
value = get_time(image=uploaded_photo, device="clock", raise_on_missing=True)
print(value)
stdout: 1:17
